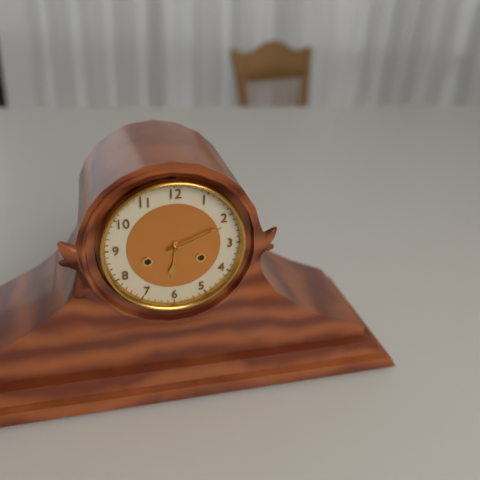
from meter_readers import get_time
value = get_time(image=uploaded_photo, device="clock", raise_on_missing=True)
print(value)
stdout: 6:11
